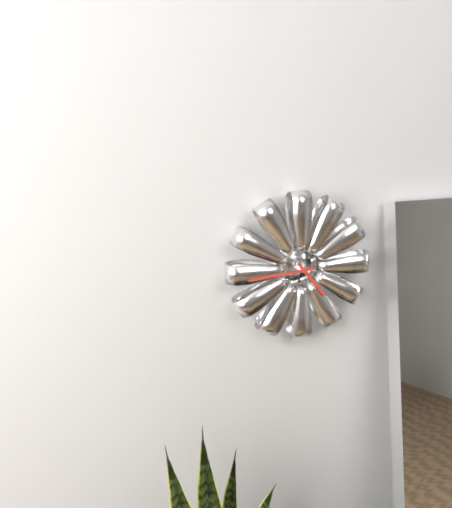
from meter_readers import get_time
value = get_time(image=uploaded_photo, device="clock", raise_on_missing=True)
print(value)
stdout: 4:44
